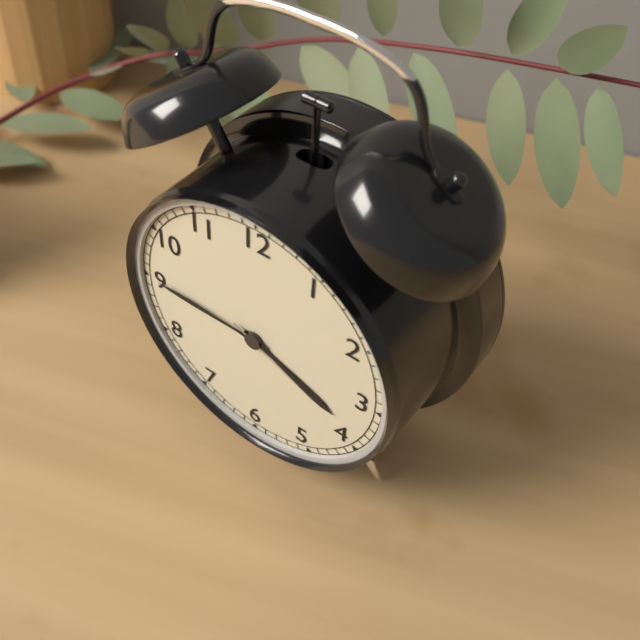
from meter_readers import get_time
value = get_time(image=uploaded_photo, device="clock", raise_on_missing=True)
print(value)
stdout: 3:45:19
